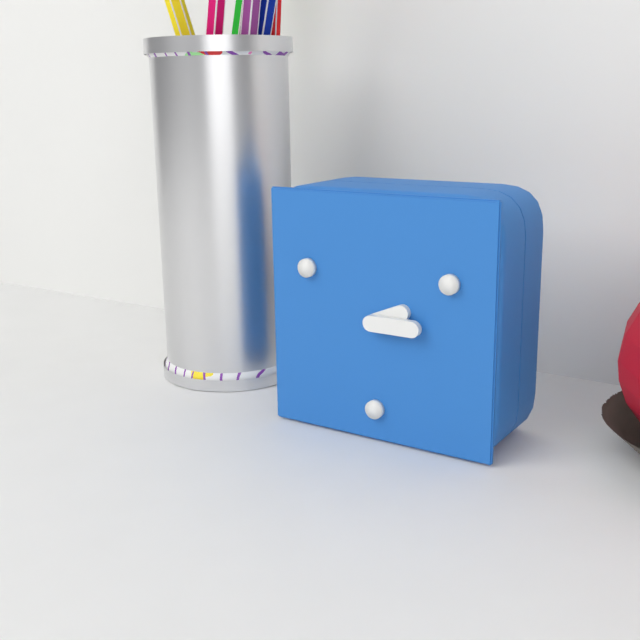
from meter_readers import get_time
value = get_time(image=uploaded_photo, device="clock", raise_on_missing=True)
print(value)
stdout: 2:15
